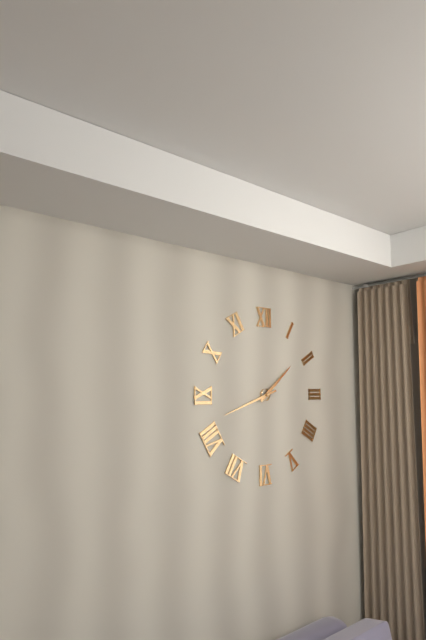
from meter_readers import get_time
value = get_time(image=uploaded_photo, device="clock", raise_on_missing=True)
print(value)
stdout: 1:42
